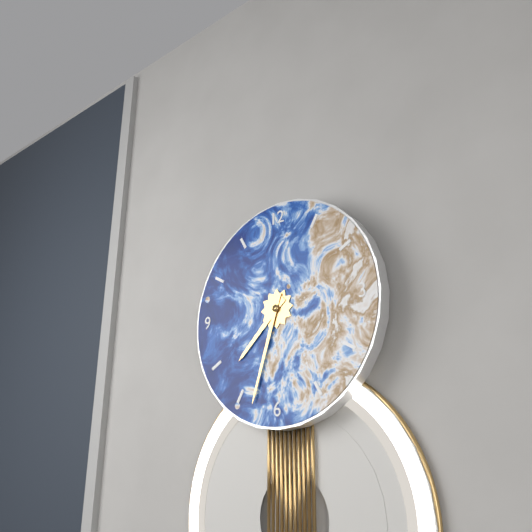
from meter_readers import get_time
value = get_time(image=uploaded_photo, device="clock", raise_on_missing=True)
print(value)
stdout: 7:33
